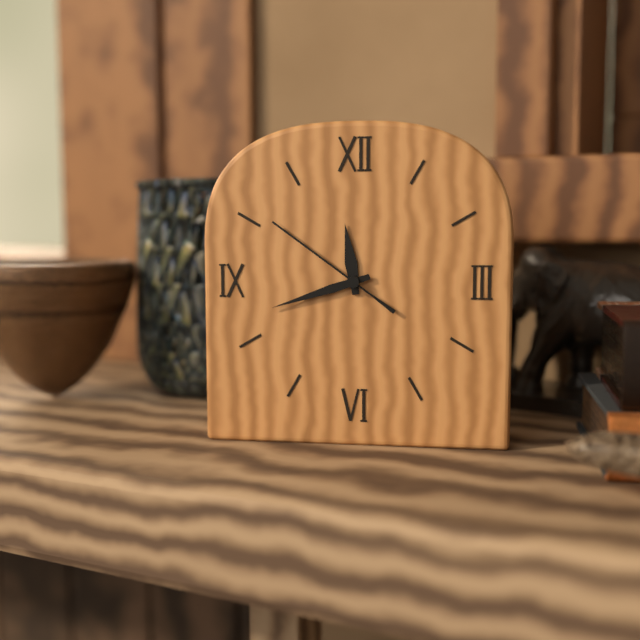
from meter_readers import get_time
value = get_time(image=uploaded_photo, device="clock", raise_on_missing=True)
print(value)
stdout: 11:42:51
